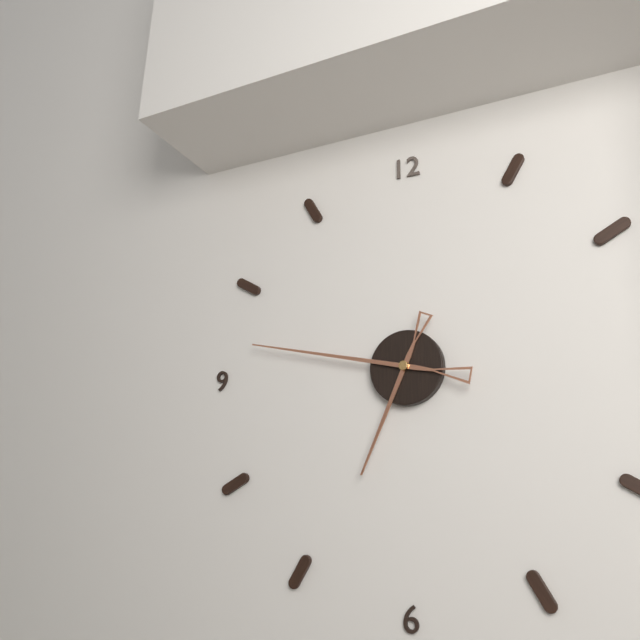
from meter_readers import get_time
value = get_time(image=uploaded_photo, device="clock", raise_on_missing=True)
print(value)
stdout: 6:47
